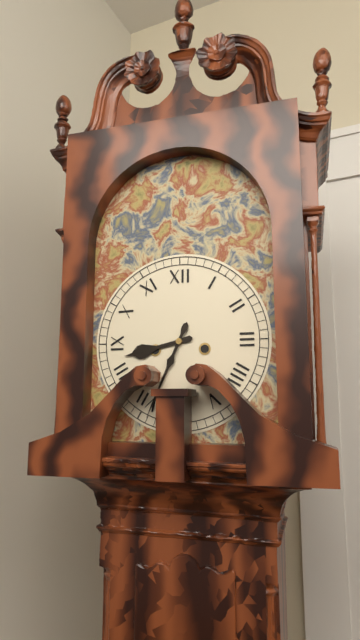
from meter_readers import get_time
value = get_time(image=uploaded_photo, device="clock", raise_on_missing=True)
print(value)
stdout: 8:34
